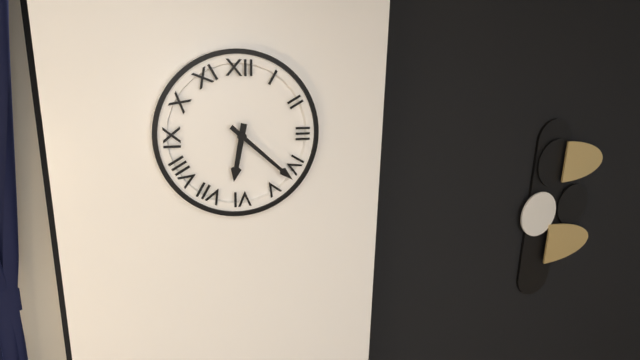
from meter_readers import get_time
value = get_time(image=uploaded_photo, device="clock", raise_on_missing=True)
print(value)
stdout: 6:22
